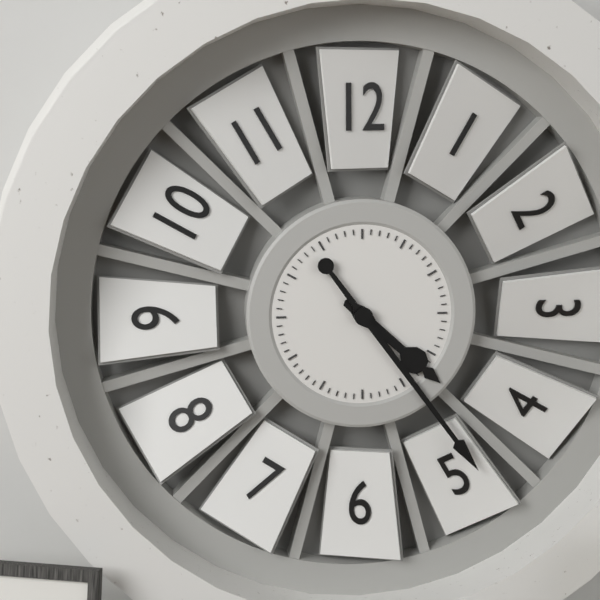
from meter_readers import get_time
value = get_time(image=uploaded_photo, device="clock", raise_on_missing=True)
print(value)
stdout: 4:24
